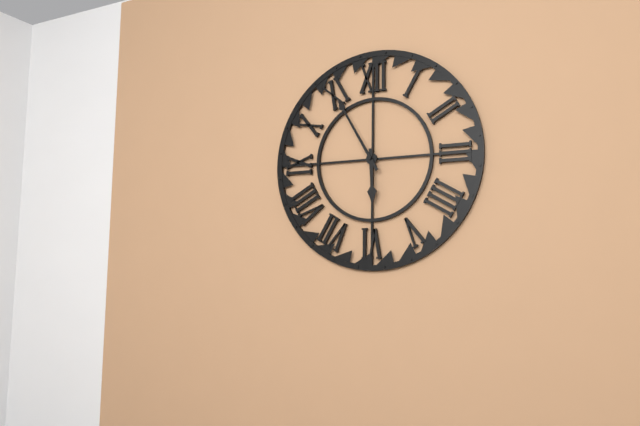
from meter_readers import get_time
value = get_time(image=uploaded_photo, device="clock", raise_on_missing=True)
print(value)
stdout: 5:55
